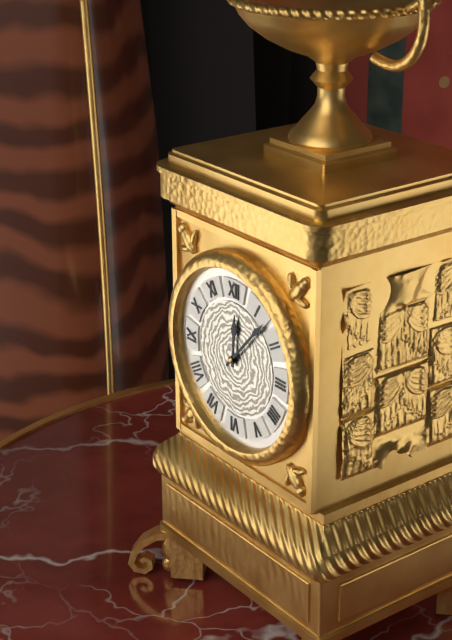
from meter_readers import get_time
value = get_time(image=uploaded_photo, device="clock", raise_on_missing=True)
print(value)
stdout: 12:07
